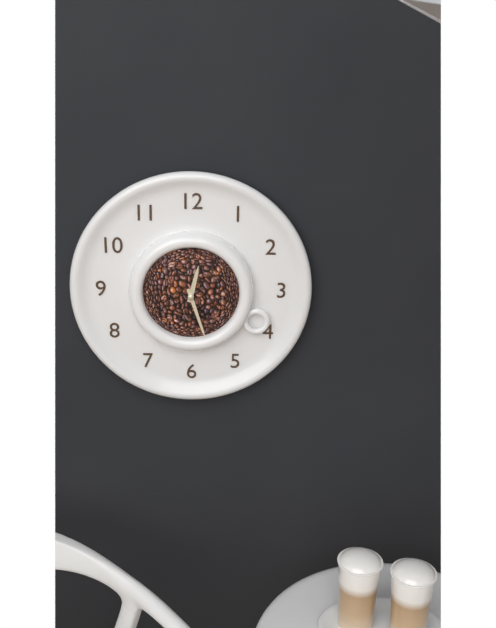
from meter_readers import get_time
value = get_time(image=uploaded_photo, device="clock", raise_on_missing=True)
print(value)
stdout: 12:27
